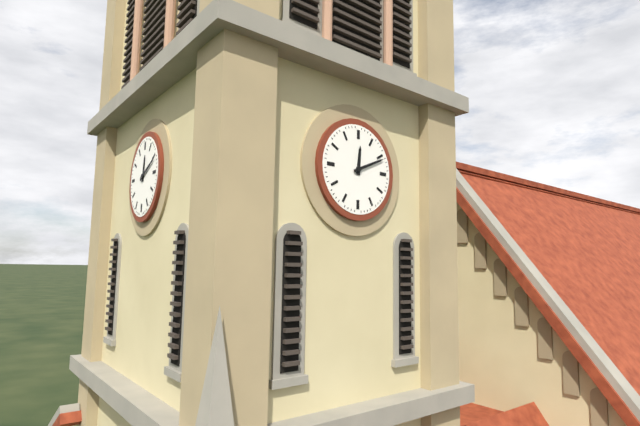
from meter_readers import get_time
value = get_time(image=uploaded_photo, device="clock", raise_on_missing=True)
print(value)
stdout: 12:11
